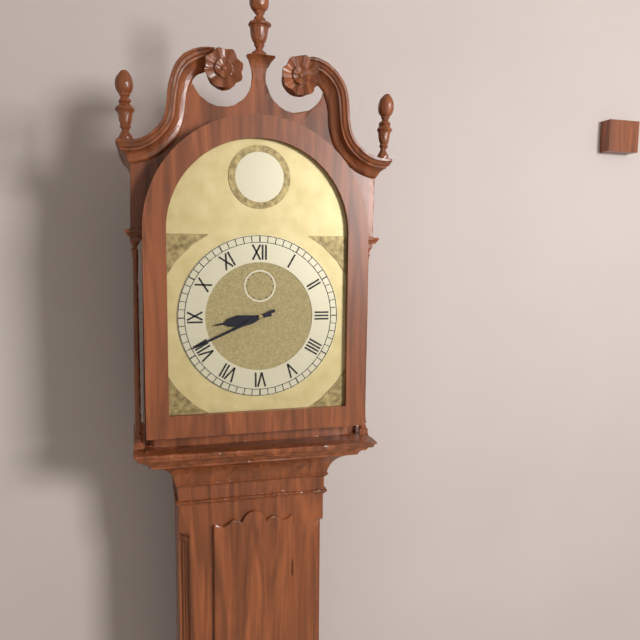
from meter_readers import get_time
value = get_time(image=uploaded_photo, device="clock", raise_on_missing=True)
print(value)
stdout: 8:41
